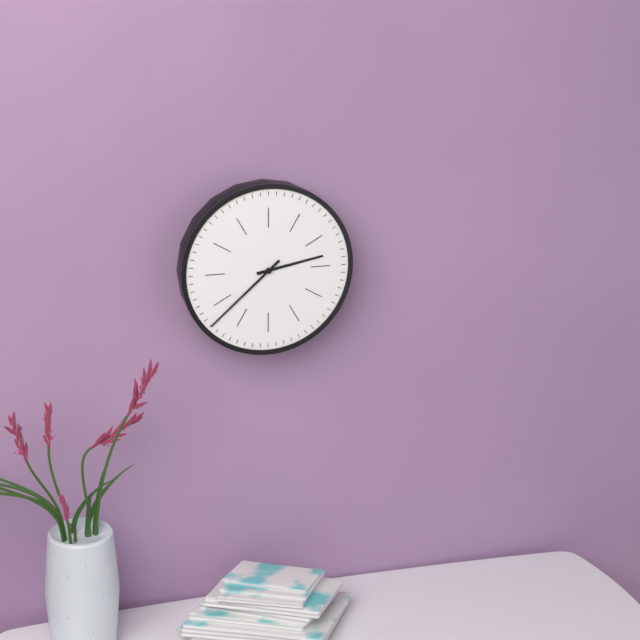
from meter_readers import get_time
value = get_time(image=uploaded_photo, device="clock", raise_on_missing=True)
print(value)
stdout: 2:38
